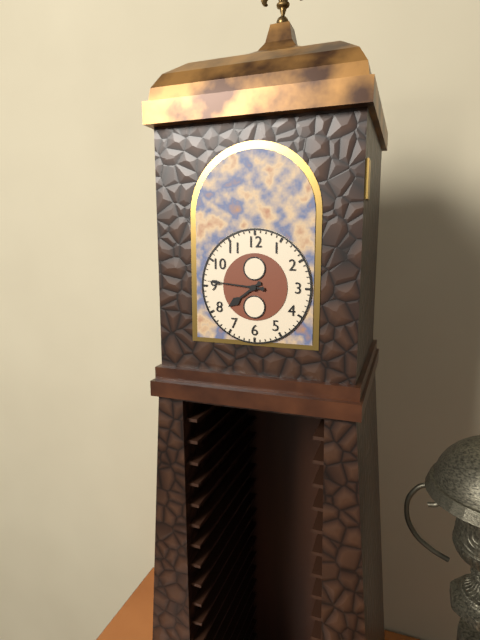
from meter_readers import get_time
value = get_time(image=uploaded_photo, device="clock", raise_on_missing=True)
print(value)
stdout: 7:46
